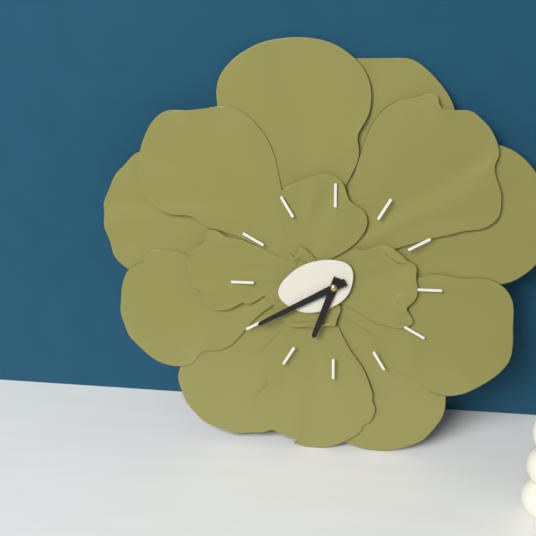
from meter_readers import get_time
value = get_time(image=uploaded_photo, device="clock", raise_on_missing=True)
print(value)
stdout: 6:40
